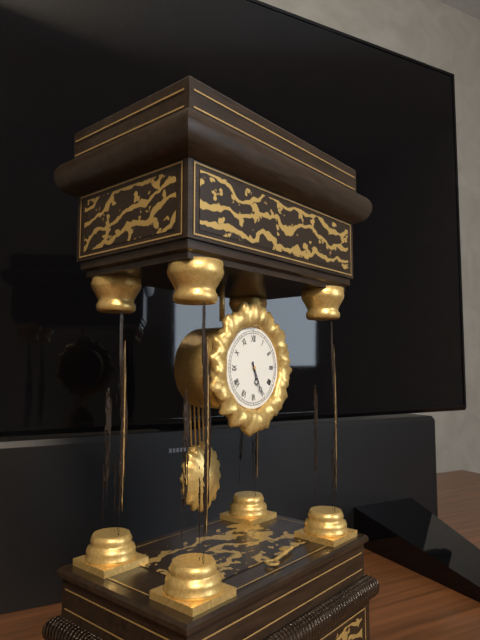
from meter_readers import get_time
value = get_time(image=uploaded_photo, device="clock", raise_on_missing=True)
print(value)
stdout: 5:26
